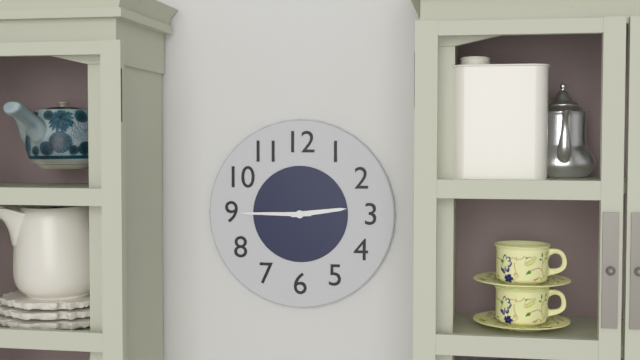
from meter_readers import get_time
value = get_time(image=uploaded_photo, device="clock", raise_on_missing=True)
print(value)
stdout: 2:45
